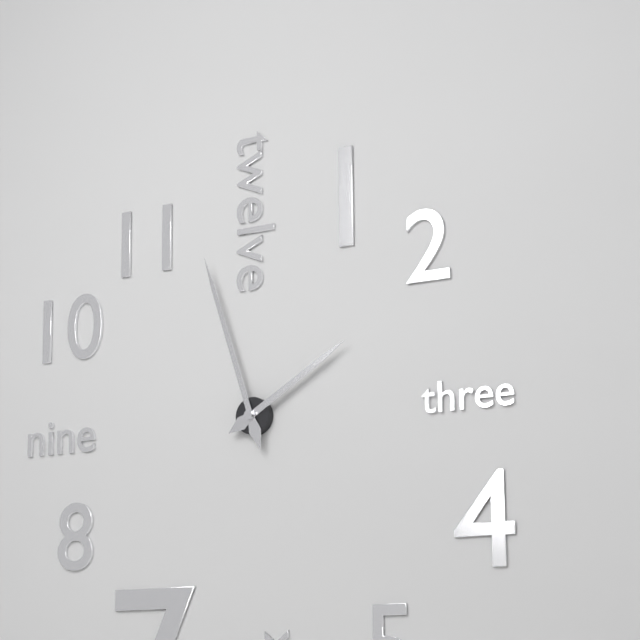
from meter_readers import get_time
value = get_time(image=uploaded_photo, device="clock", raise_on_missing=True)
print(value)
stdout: 1:57
